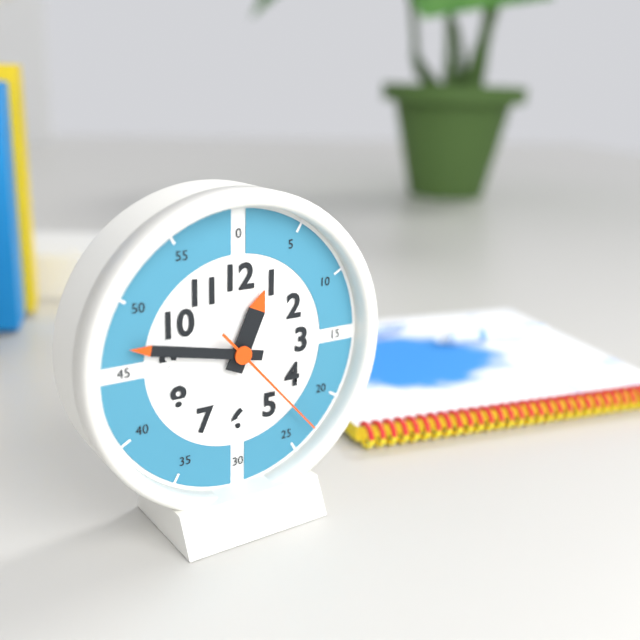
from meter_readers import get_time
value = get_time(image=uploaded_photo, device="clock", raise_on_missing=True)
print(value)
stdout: 12:47:23
